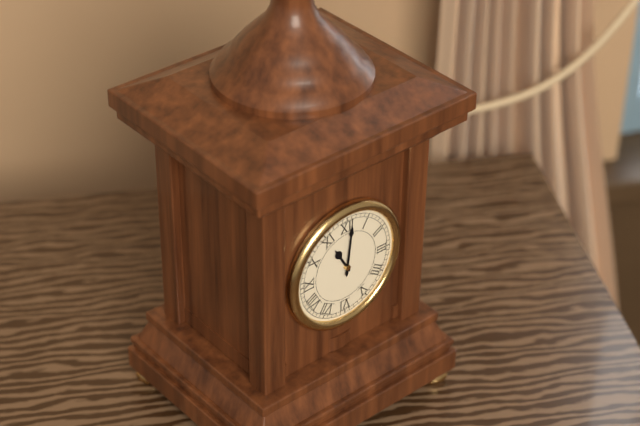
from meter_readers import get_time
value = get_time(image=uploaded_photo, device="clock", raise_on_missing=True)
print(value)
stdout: 11:01
